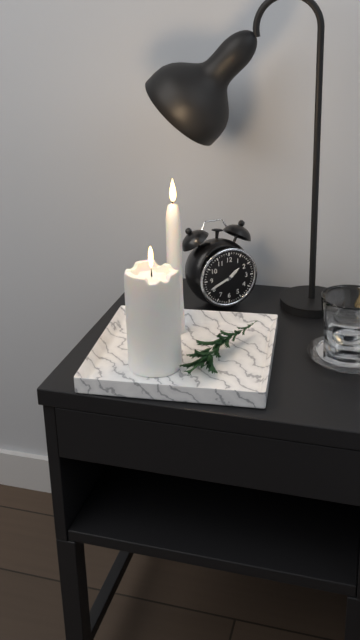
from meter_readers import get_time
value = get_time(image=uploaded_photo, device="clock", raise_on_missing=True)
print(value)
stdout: 1:41
